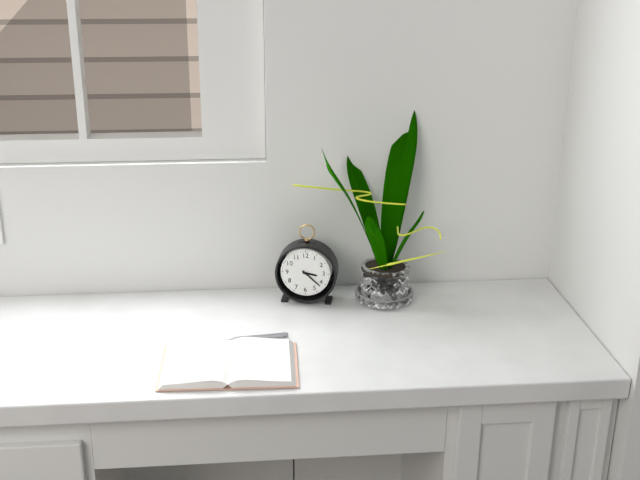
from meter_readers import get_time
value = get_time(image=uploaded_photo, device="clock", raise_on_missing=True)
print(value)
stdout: 3:22
